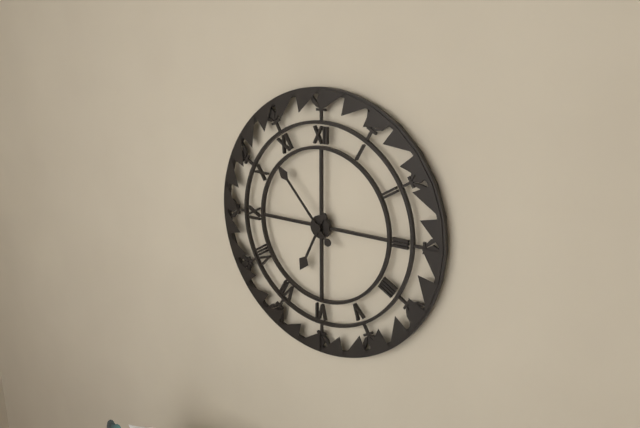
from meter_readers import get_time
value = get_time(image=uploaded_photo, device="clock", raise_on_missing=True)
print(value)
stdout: 6:53
